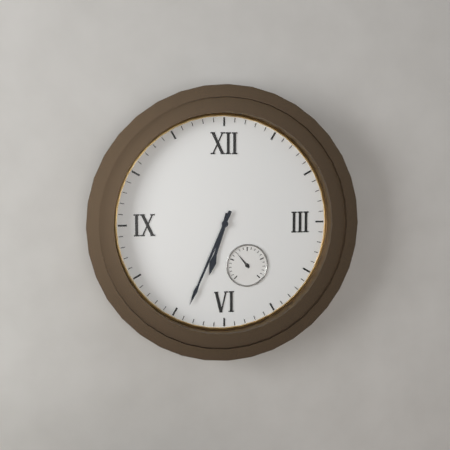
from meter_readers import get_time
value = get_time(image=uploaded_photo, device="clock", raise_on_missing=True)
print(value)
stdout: 6:34
